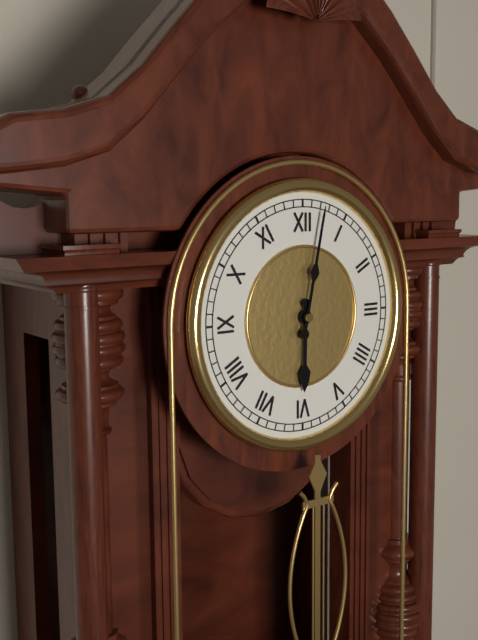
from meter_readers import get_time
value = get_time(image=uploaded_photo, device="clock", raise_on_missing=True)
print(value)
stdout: 6:02
